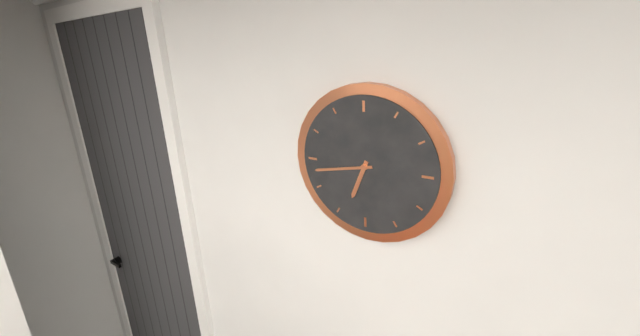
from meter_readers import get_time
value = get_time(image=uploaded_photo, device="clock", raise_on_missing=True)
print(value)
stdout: 6:43
